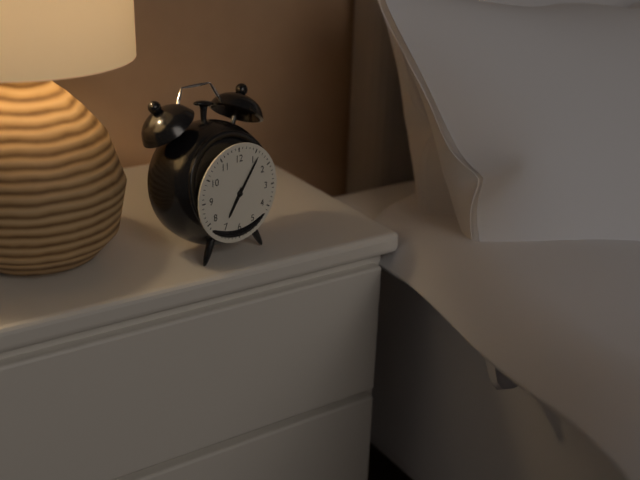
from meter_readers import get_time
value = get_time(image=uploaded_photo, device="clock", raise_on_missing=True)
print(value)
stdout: 7:06
